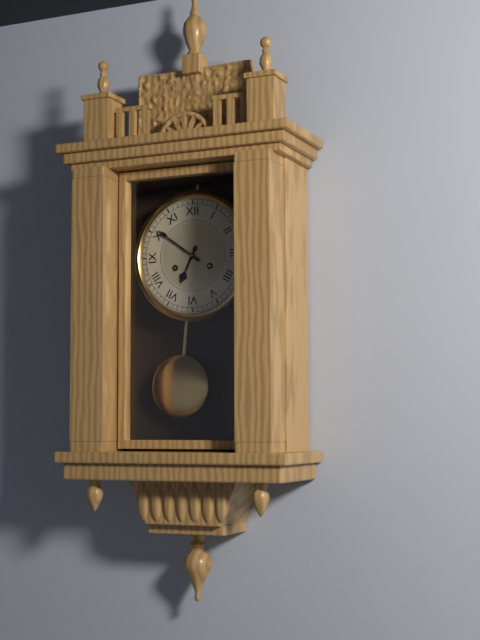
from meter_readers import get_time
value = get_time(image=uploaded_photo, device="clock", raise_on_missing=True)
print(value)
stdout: 6:51
